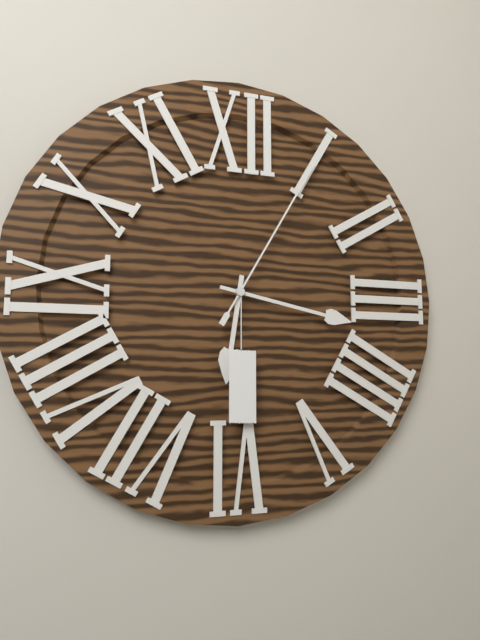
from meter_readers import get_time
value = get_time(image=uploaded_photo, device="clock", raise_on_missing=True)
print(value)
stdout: 6:17:05
